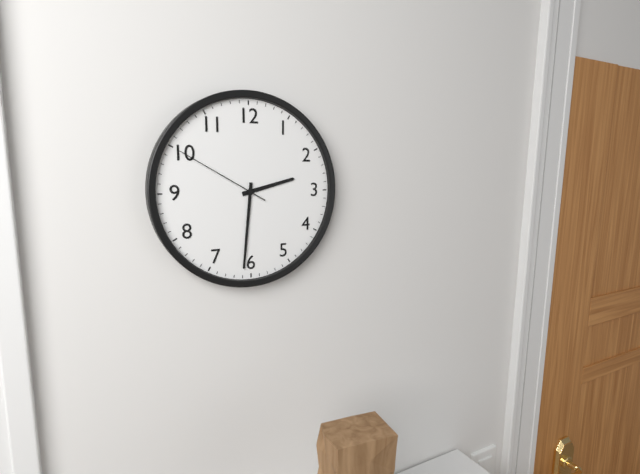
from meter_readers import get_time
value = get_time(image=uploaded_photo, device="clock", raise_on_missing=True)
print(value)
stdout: 2:31:50
